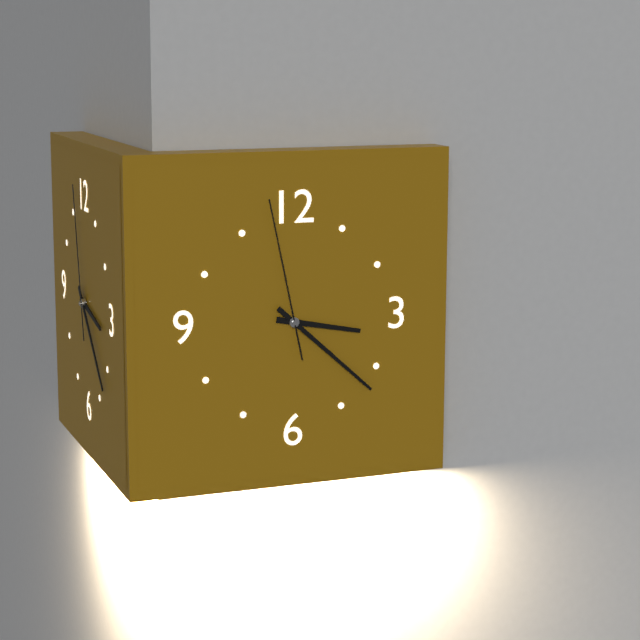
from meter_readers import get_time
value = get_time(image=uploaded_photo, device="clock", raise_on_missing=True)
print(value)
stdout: 3:22:58
